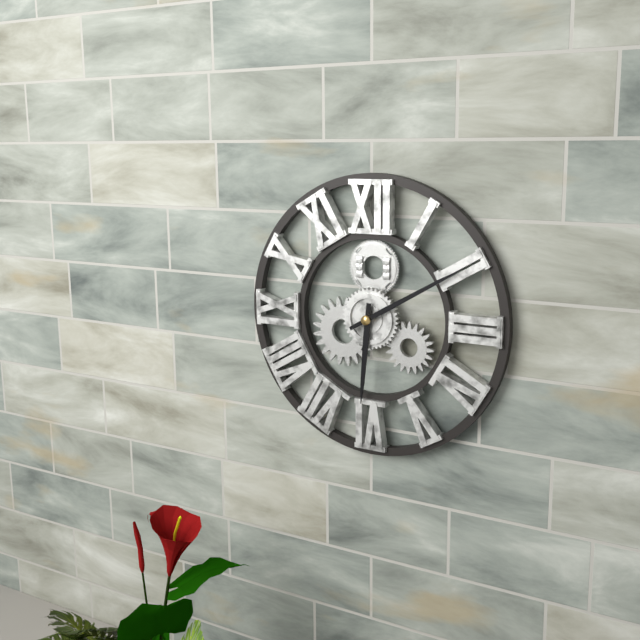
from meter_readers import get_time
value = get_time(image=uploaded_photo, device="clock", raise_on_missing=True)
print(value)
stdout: 6:10
